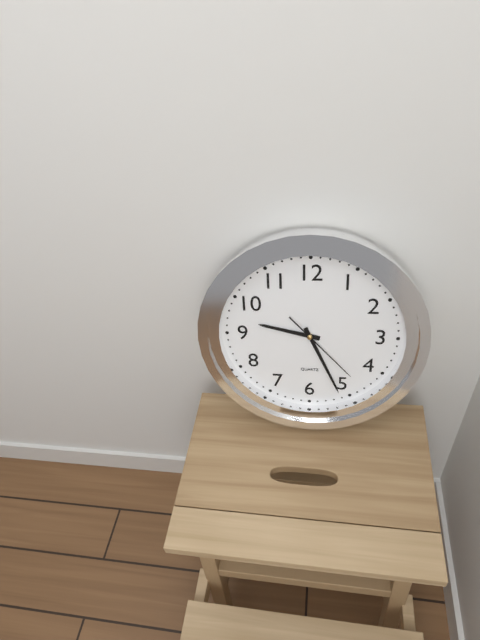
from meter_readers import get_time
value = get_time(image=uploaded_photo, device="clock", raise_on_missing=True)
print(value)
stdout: 9:26:23
